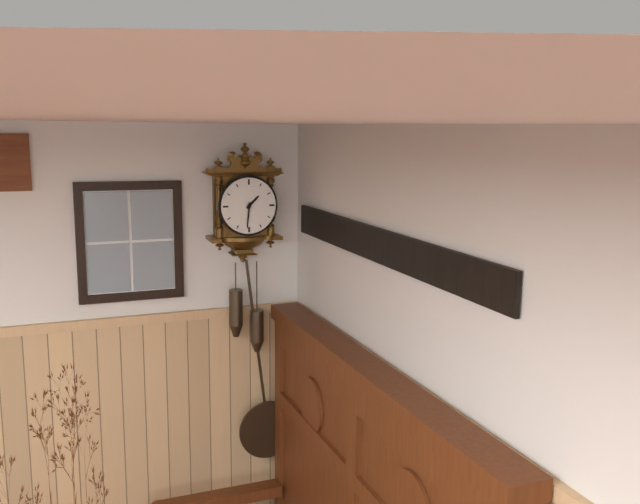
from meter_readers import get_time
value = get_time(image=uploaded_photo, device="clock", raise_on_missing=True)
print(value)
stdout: 1:31
